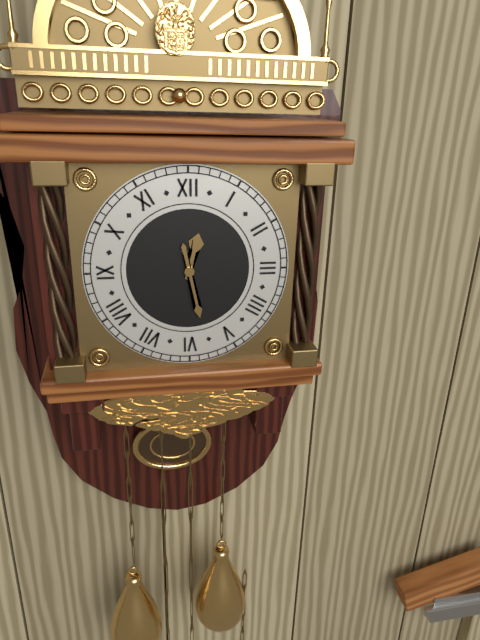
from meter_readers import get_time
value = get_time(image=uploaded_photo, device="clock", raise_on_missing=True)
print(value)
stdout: 12:28
